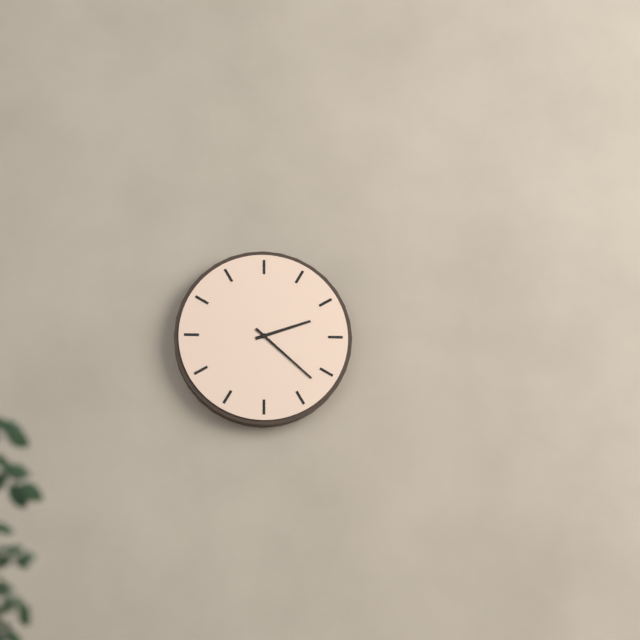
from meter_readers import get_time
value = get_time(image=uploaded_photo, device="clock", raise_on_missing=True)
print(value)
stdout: 2:22
